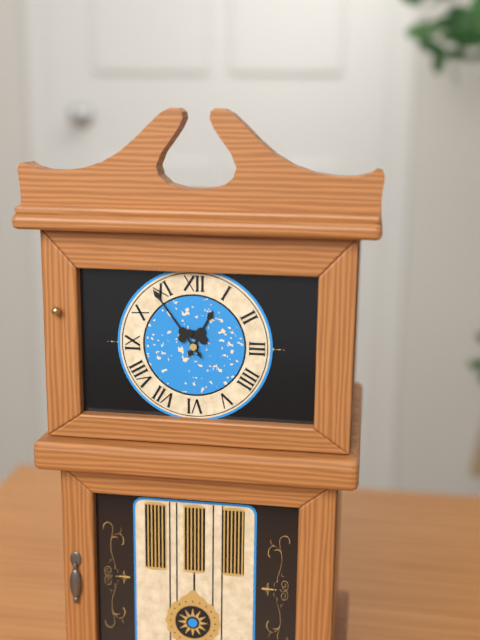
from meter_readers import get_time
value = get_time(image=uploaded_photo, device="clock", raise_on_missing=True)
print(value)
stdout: 12:54
